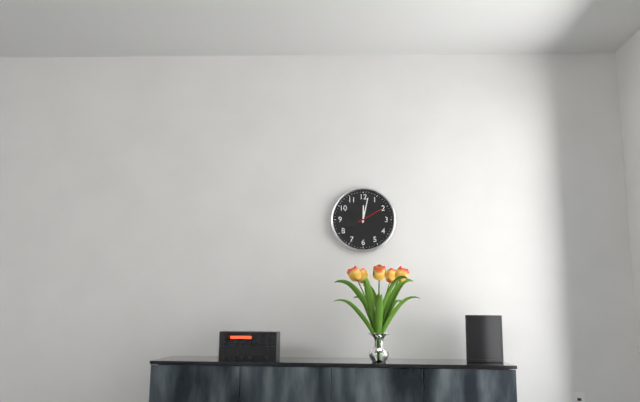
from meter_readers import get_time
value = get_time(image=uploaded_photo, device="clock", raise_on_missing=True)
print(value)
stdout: 12:02
